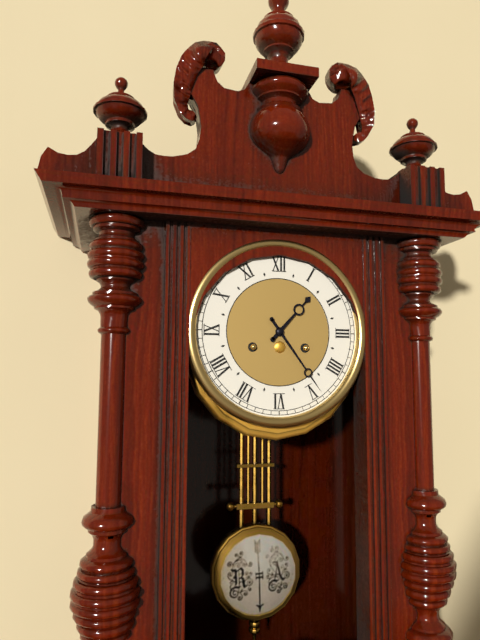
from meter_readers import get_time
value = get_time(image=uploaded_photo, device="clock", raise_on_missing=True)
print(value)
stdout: 1:24
